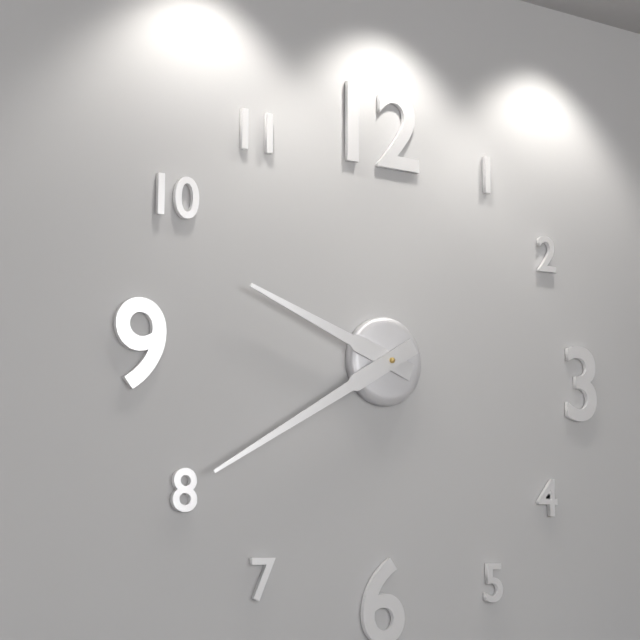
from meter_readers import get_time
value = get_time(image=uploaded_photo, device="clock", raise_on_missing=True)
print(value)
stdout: 9:40
